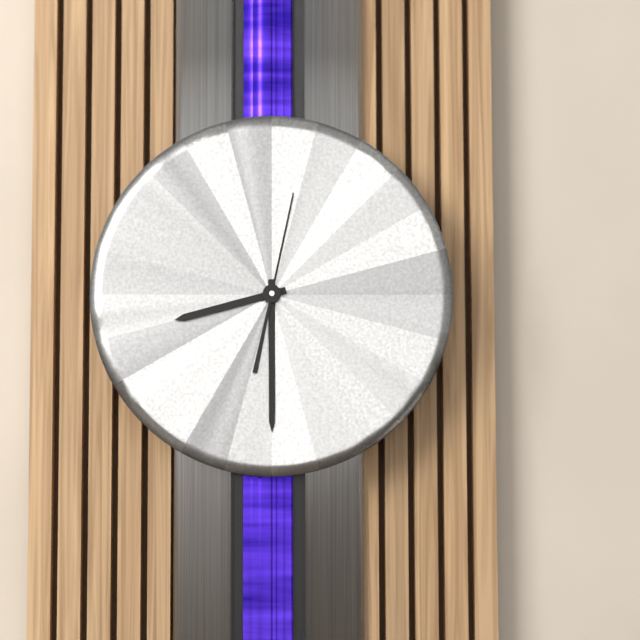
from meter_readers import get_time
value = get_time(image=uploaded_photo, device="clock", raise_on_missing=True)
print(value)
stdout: 8:30:02
